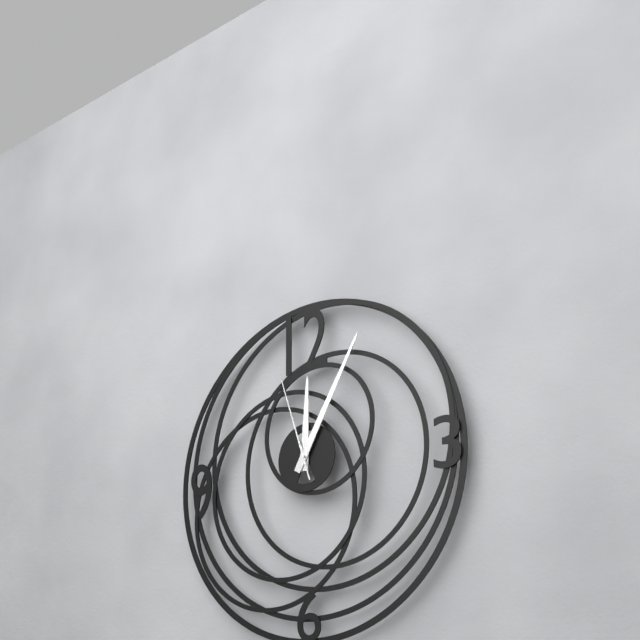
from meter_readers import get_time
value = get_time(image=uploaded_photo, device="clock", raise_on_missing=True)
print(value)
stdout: 12:05:57
